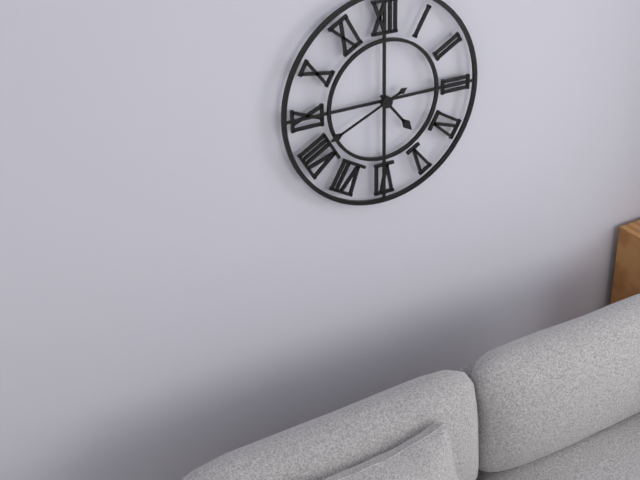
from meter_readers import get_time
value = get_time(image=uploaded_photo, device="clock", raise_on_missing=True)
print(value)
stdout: 4:41
